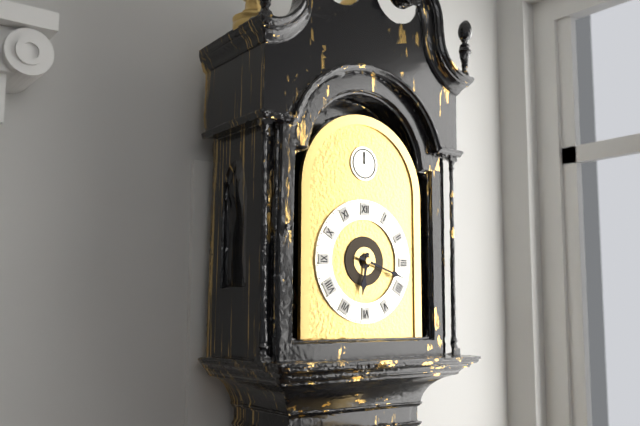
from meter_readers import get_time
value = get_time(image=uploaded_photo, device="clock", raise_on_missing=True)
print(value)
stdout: 6:18
